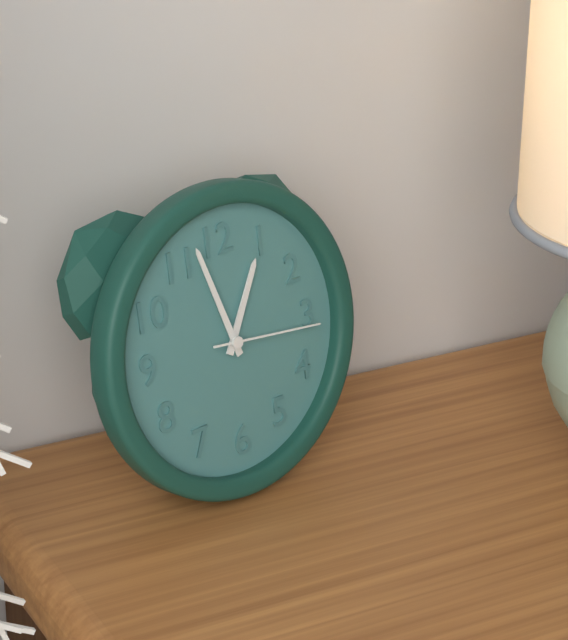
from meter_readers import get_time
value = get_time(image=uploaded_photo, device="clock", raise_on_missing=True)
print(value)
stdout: 12:57:16
